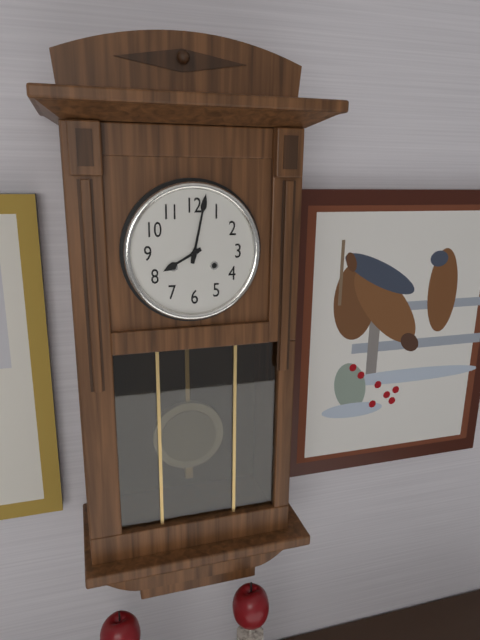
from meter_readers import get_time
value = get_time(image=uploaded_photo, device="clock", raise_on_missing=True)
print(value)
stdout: 8:02
